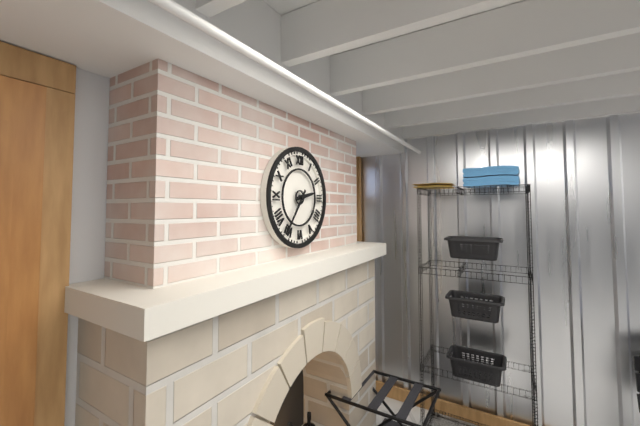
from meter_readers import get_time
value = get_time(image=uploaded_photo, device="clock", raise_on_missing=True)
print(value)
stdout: 2:36
